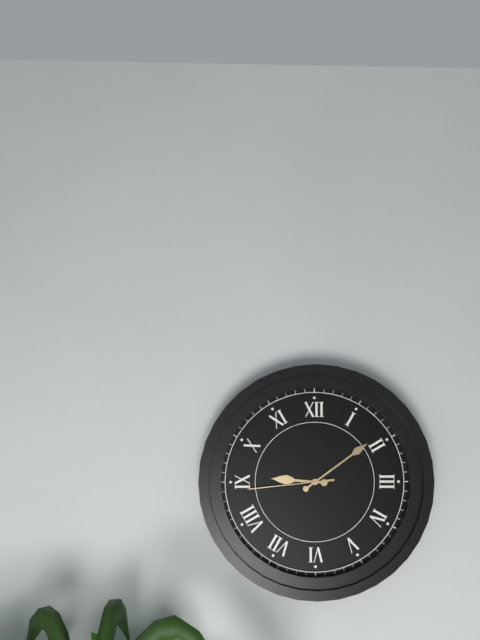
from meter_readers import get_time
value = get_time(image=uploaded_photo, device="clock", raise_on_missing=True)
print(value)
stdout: 9:09:44
